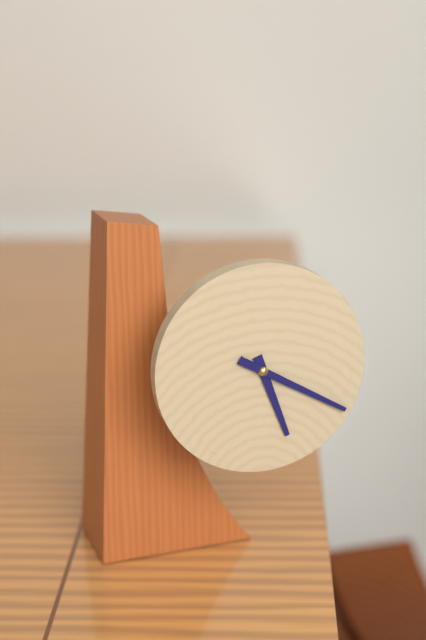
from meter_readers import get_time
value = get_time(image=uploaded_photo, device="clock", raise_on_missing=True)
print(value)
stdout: 5:20
